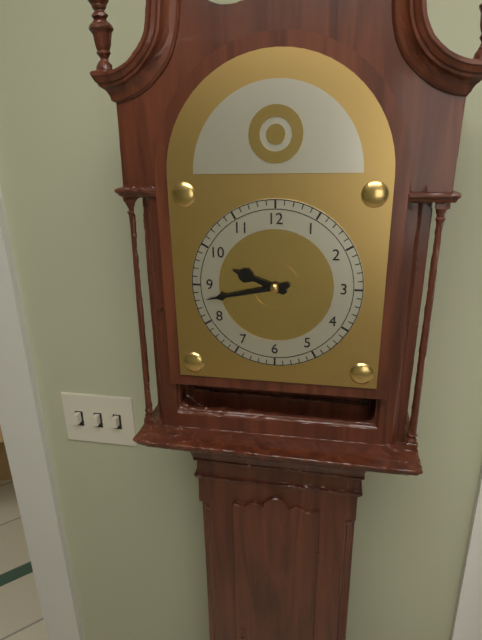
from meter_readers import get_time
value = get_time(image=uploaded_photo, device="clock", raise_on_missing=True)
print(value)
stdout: 9:43
